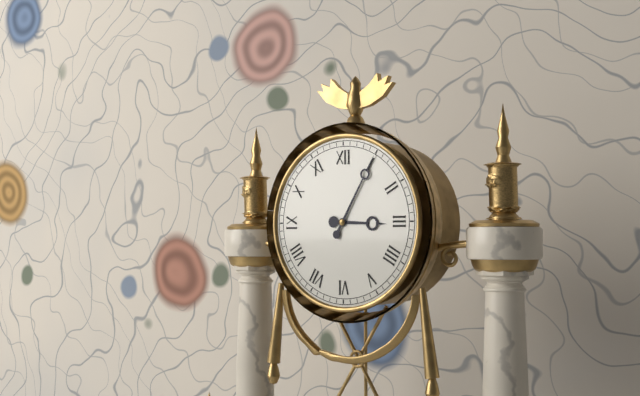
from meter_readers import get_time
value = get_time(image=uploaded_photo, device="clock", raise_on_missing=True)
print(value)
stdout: 3:05
